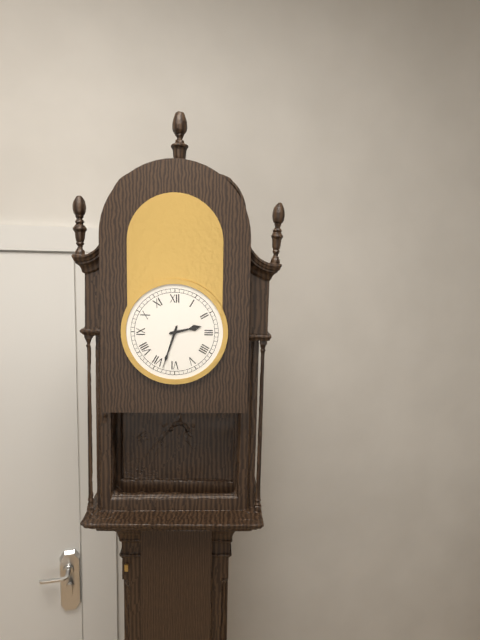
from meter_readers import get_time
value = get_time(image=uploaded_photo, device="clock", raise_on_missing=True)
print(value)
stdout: 2:33
